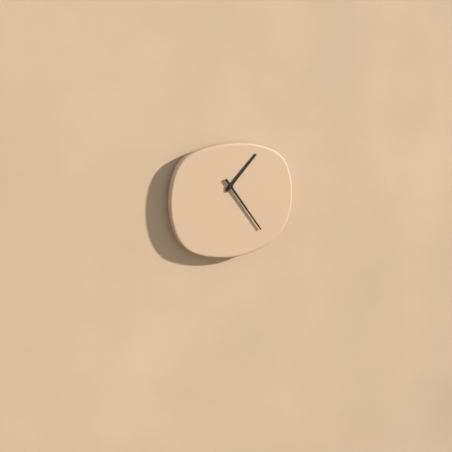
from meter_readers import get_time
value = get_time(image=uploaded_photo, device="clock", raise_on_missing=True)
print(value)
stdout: 1:24
